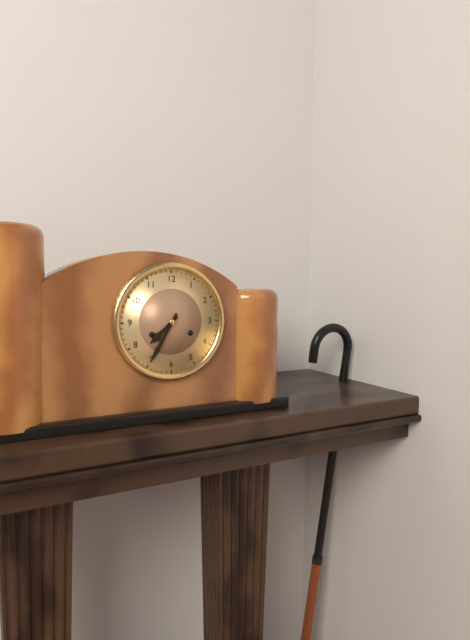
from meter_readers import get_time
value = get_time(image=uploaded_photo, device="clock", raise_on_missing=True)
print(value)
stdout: 7:35
